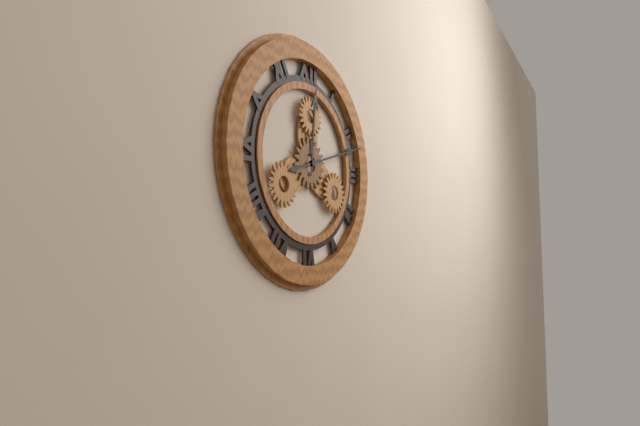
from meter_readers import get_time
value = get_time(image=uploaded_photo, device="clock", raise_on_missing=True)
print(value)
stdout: 12:12
